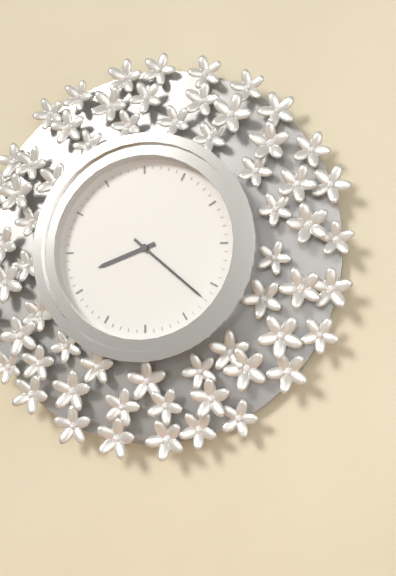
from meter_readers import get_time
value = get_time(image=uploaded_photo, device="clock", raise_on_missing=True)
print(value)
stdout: 8:22
